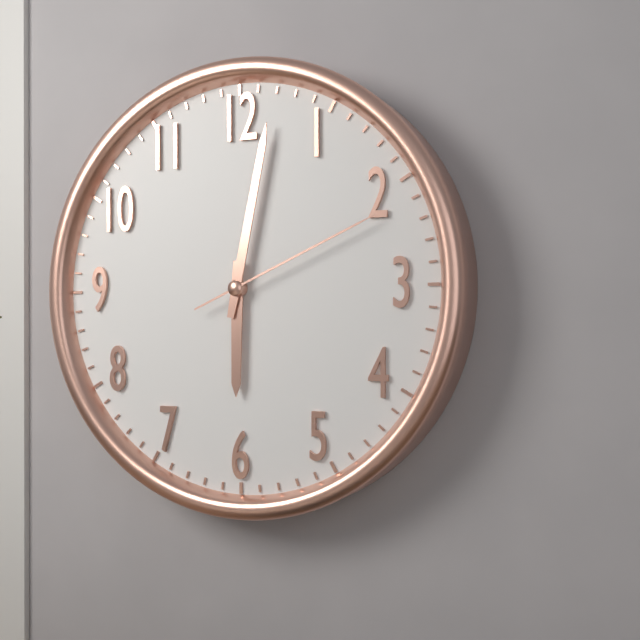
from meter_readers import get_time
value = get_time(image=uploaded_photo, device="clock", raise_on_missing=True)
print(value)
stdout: 6:02:11
